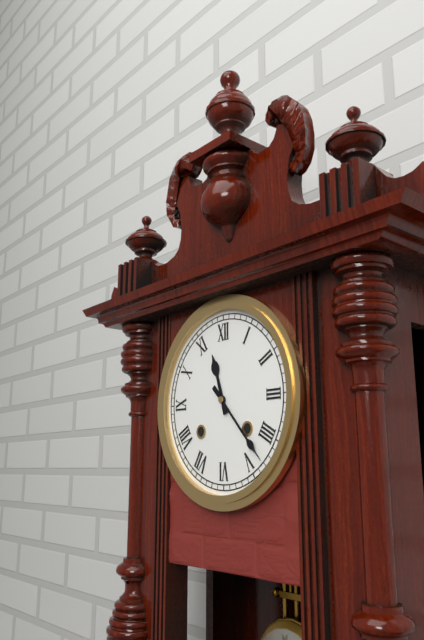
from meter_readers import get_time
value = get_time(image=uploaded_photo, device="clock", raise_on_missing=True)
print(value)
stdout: 11:23
